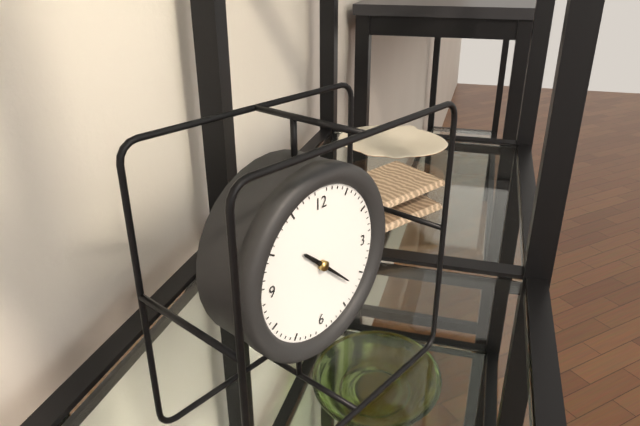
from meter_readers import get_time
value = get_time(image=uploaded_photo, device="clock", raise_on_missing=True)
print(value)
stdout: 10:22
